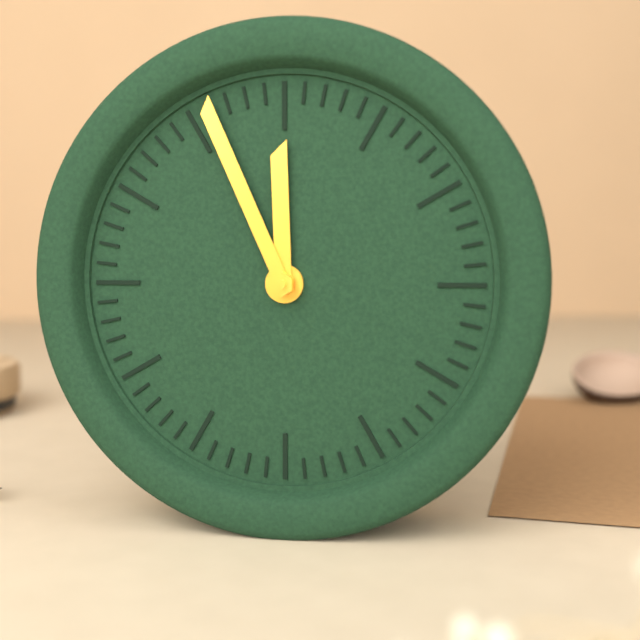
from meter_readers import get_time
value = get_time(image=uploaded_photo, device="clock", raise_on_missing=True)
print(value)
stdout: 11:56
